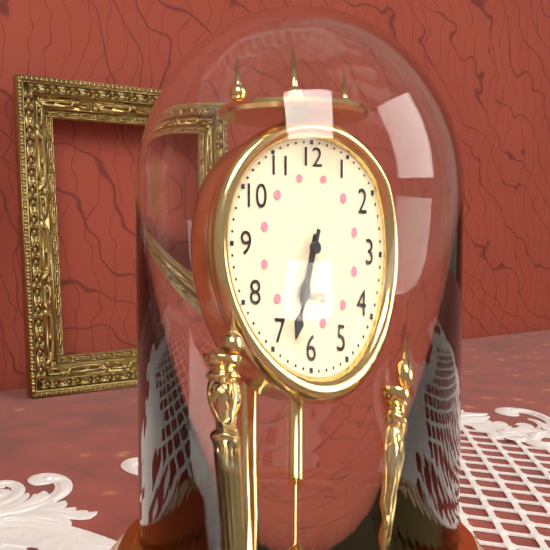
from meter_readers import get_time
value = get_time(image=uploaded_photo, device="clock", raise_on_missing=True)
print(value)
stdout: 6:33
